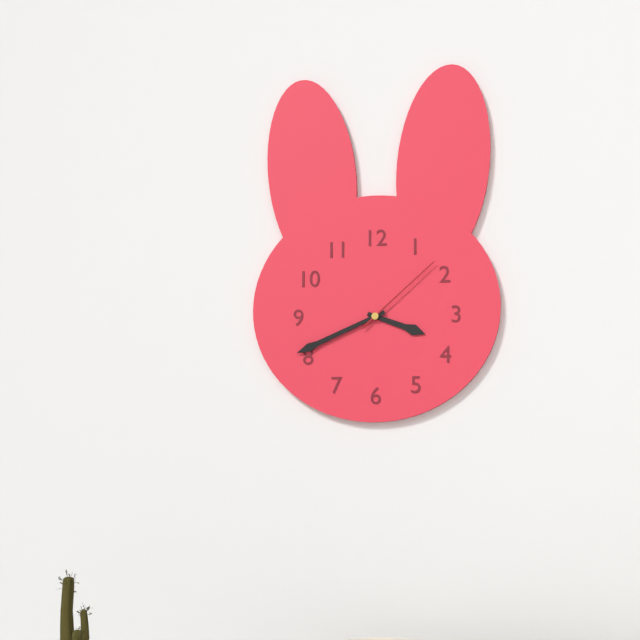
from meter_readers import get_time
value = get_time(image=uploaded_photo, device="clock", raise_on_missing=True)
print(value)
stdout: 3:41:08
